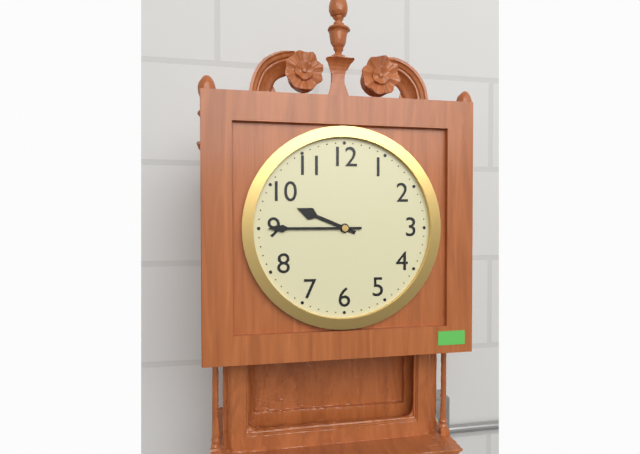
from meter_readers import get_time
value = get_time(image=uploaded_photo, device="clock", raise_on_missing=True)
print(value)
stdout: 9:45
